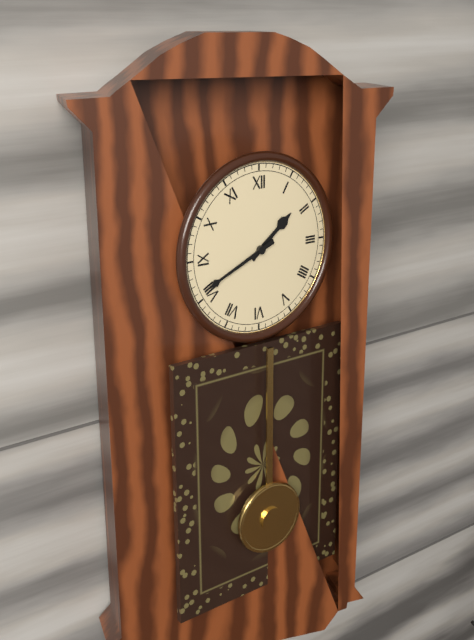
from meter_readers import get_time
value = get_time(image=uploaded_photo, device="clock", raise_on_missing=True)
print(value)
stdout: 1:41
